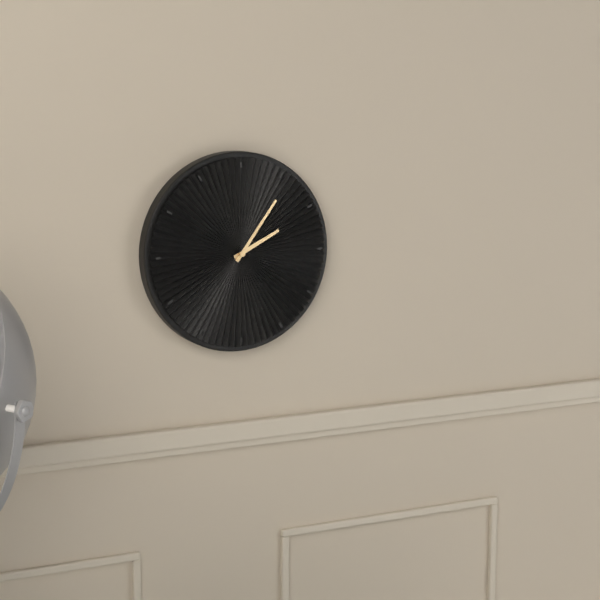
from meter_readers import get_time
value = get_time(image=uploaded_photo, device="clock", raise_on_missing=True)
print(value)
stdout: 2:06
